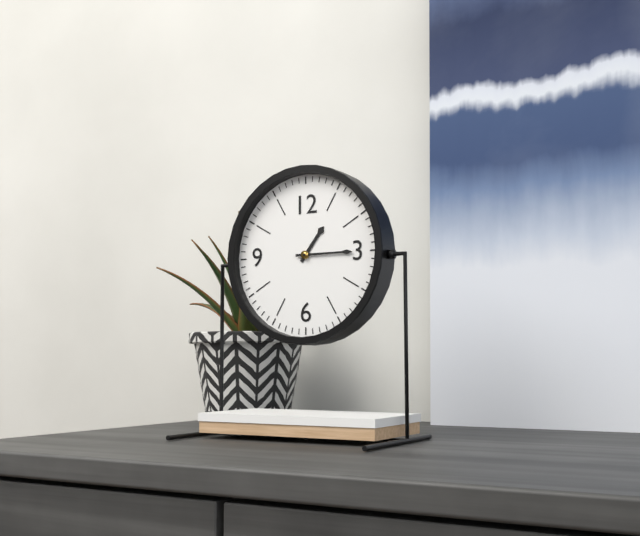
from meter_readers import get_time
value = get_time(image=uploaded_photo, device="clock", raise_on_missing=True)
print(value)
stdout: 1:15
